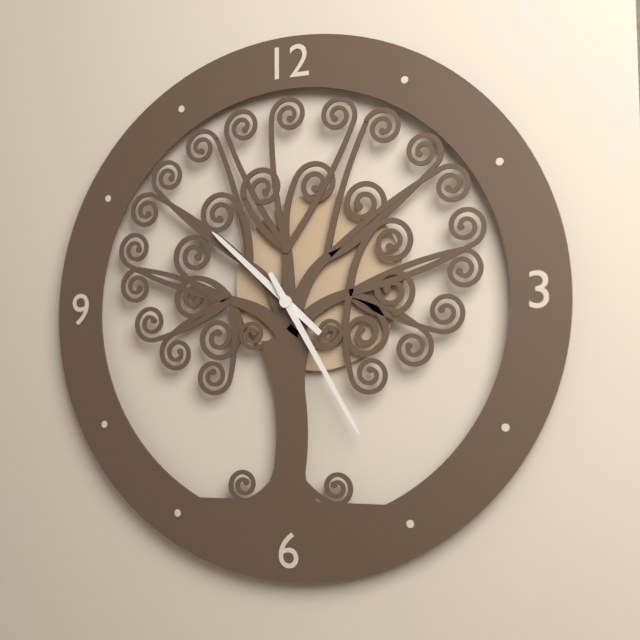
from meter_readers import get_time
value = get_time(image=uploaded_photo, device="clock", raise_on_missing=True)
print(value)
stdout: 10:25
